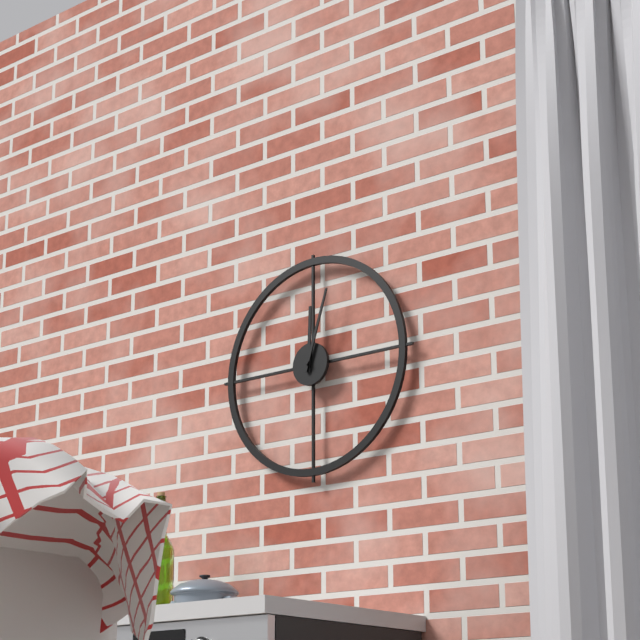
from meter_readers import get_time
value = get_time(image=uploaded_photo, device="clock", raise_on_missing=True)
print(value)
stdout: 12:03
